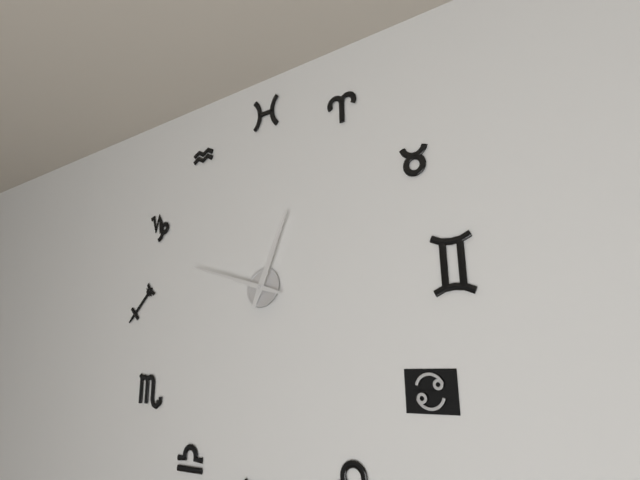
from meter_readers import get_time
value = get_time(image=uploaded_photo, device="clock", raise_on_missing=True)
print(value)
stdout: 12:48
